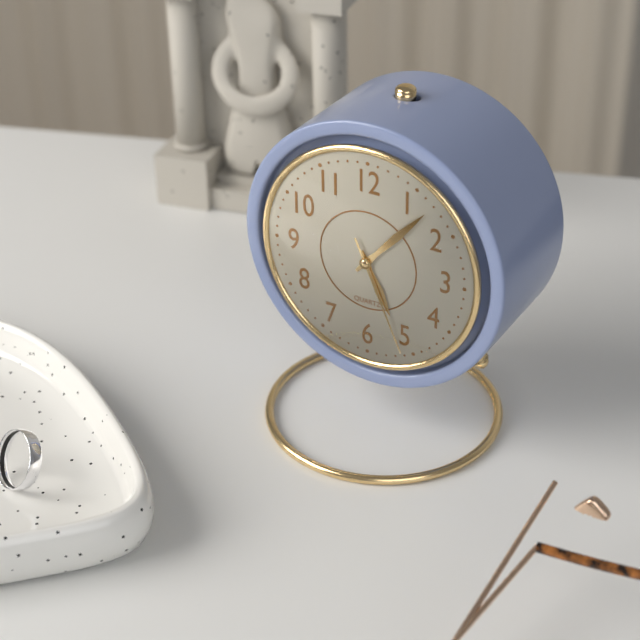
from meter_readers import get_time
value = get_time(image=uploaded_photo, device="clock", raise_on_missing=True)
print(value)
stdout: 5:07:26
